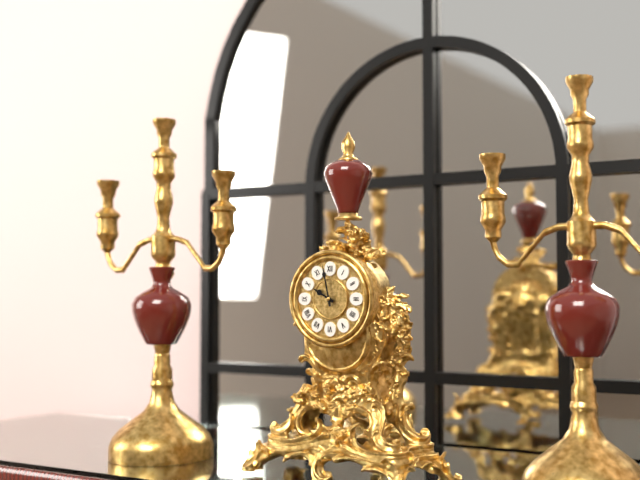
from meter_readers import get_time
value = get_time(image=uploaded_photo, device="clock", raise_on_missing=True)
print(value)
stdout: 9:58
